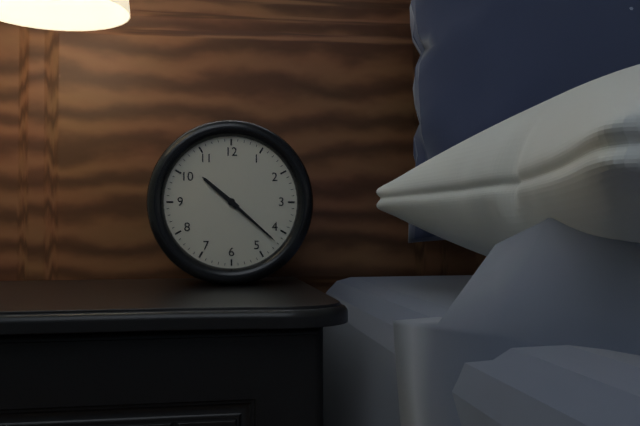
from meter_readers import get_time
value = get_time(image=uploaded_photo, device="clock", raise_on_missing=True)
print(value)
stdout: 10:22
